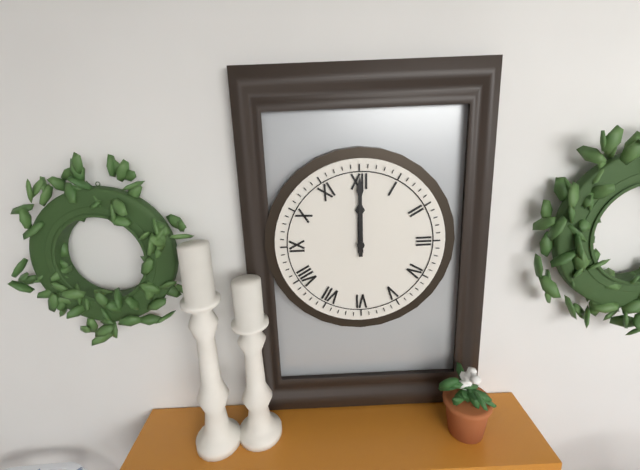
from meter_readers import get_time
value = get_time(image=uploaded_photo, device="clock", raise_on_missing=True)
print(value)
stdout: 12:00
